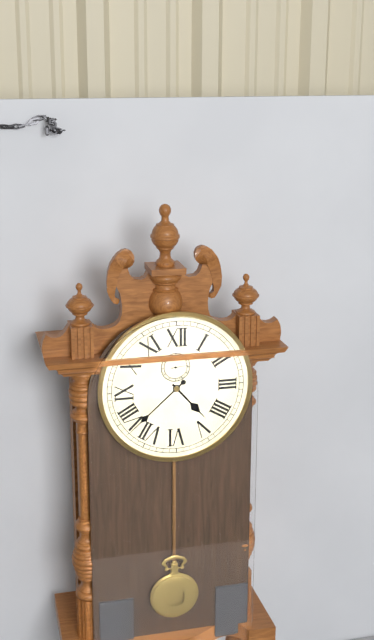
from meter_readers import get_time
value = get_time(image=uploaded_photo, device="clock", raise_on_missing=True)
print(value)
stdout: 4:38
